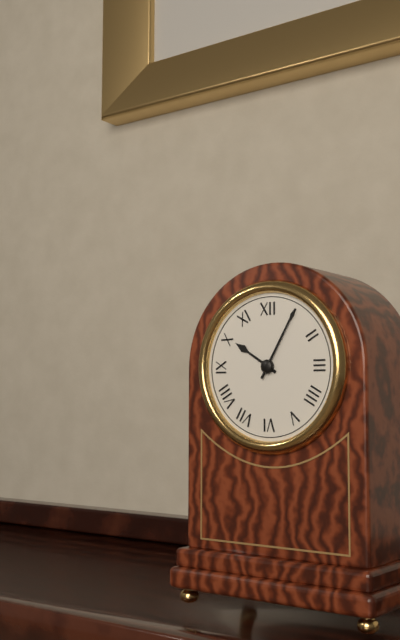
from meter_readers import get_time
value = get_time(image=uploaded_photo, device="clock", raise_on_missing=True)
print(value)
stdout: 10:05
